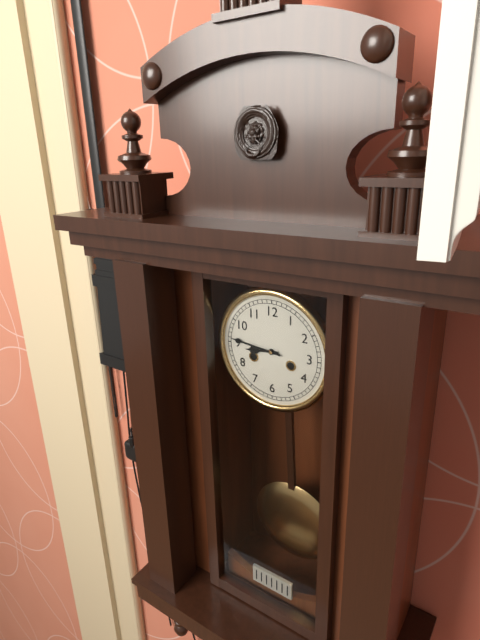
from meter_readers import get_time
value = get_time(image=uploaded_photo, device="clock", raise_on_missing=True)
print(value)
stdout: 8:46
